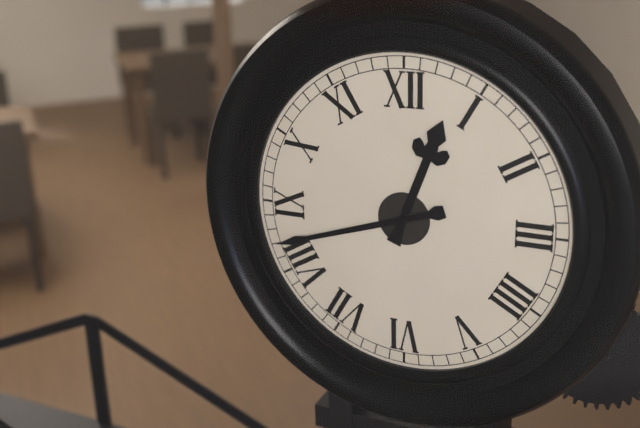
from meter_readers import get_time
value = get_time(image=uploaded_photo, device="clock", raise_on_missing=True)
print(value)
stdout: 12:42
